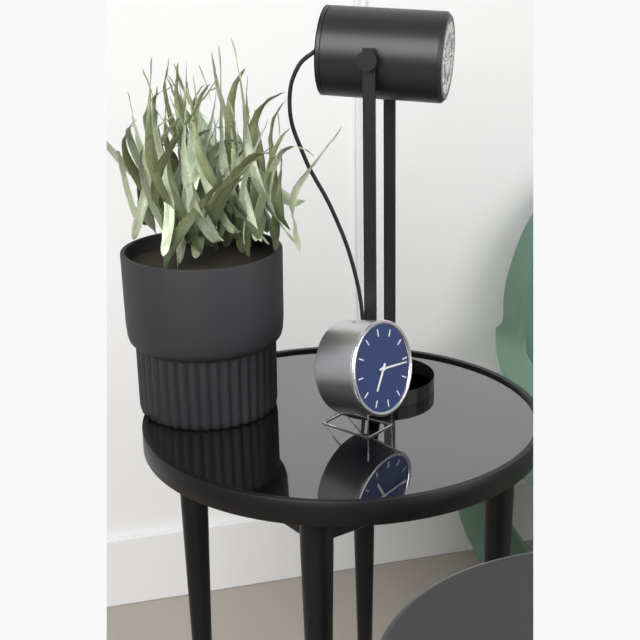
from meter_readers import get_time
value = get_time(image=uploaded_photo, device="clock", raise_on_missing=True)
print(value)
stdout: 7:16
